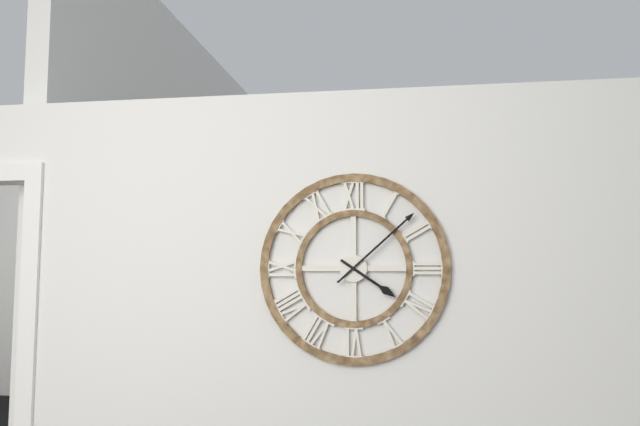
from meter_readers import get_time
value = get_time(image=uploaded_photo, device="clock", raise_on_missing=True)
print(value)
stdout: 4:08
